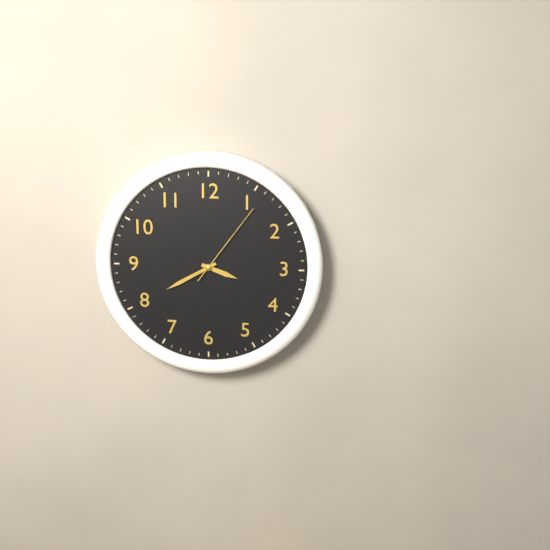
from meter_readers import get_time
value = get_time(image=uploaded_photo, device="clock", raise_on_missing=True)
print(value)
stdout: 3:40:06
